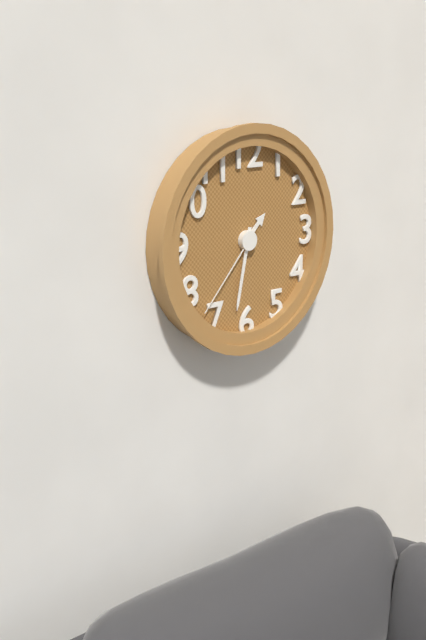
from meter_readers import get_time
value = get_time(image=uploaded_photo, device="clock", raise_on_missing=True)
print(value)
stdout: 1:32:37
